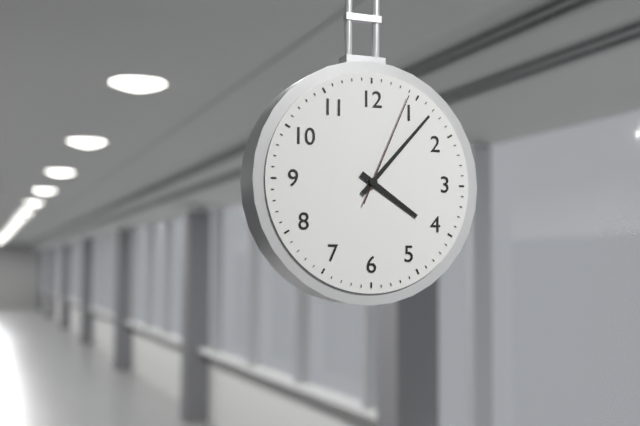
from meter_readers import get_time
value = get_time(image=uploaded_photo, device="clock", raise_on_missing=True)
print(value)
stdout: 4:07:04
